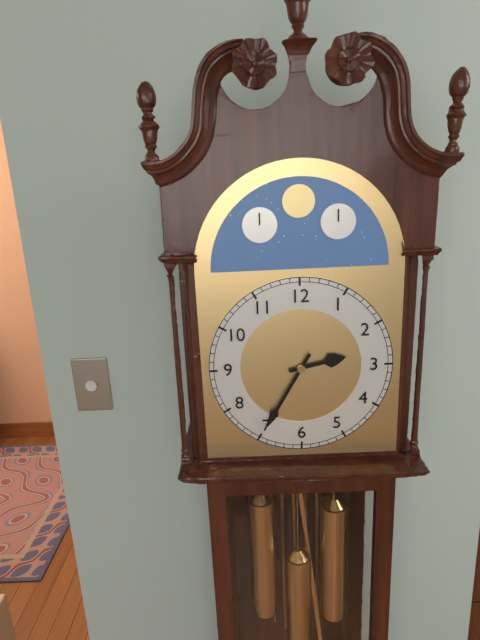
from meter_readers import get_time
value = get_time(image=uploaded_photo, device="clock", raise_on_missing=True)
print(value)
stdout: 2:35
